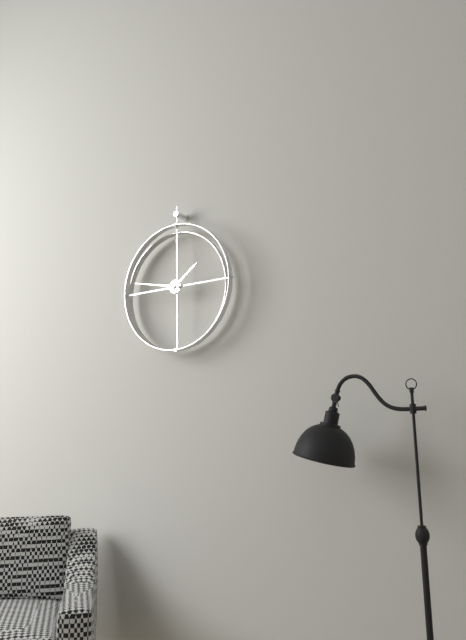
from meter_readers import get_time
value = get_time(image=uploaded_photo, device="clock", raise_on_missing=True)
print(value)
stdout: 1:47
